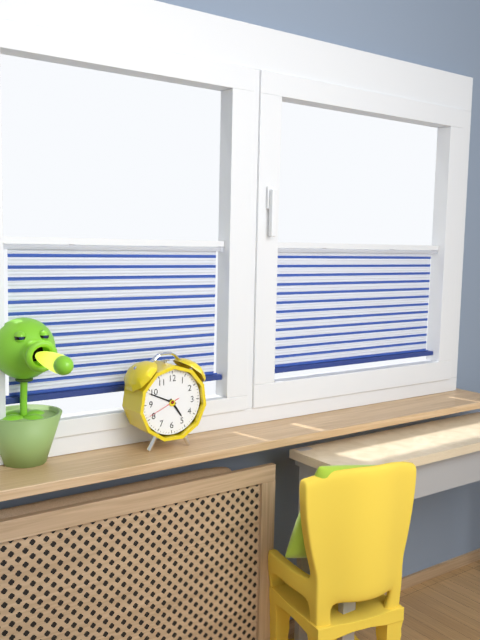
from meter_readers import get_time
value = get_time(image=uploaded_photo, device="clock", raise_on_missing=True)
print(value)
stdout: 4:49
